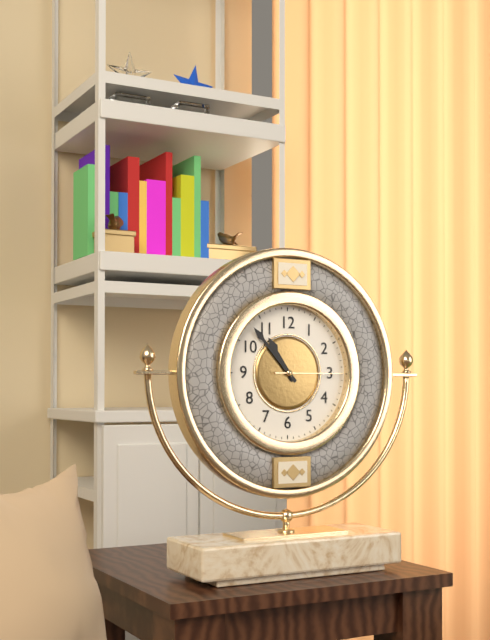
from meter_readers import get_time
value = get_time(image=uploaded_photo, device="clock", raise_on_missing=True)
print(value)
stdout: 10:53:15
